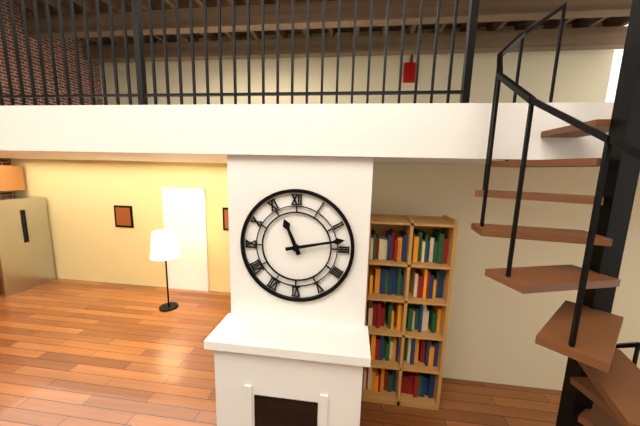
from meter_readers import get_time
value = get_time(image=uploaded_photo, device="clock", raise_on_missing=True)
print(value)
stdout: 11:13
